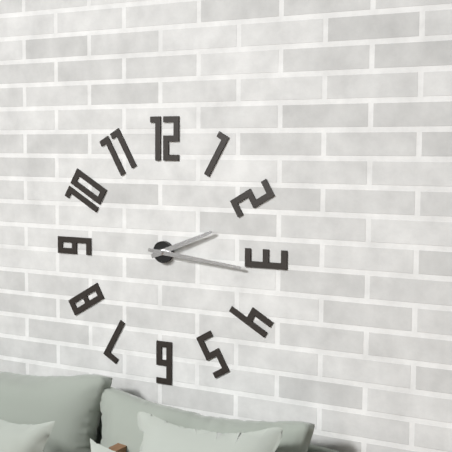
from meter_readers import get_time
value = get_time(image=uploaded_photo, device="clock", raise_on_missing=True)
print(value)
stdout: 2:16
